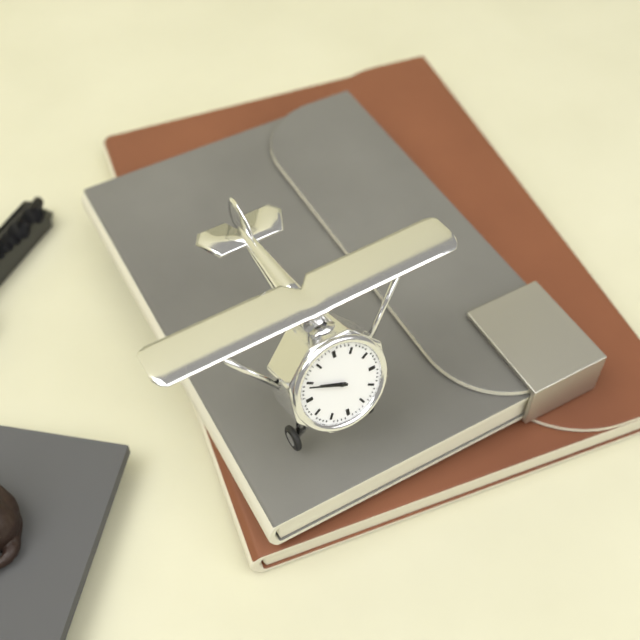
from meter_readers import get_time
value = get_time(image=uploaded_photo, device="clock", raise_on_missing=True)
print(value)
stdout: 9:49
